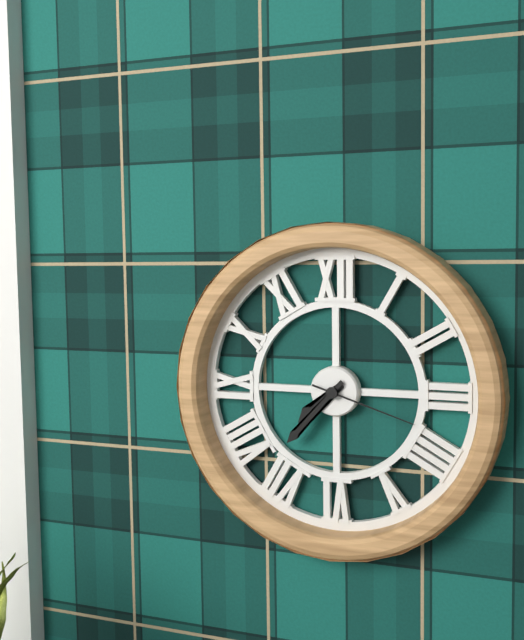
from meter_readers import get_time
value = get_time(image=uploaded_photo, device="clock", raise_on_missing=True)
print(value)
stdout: 7:37:18
